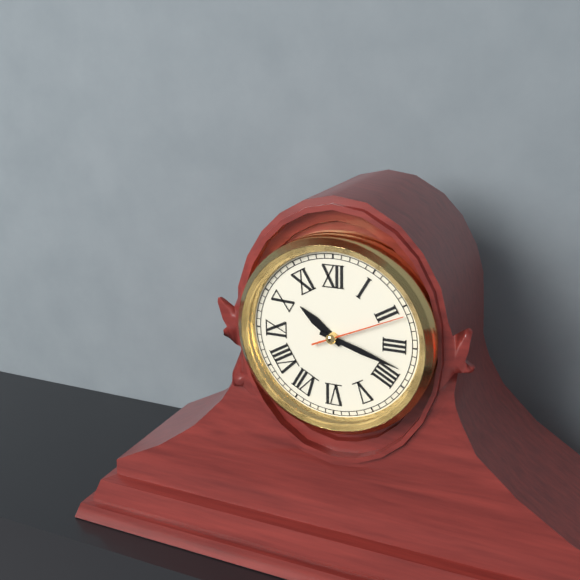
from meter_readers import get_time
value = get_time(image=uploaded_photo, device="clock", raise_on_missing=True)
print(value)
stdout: 10:18:11
